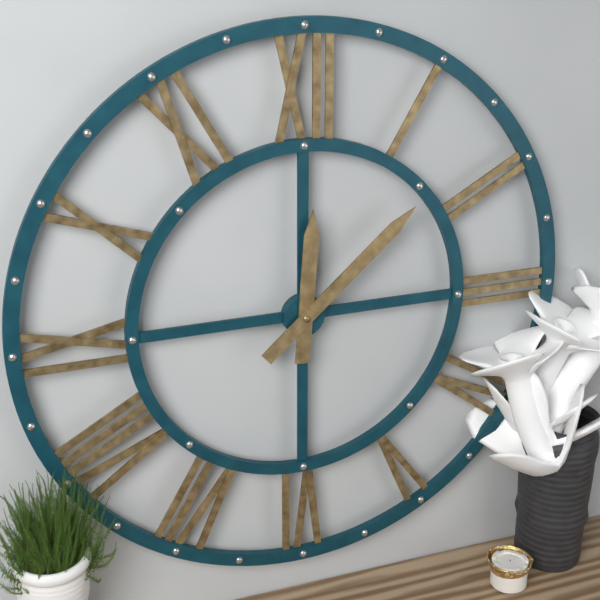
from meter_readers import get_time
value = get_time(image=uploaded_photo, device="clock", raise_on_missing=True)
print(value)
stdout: 12:08
